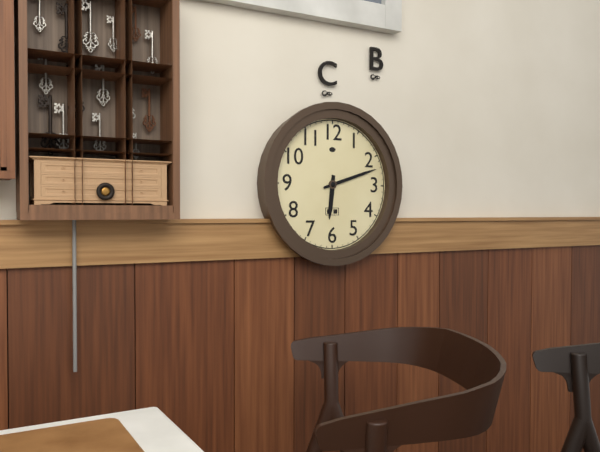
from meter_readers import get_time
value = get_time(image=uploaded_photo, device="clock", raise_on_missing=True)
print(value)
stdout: 6:12
